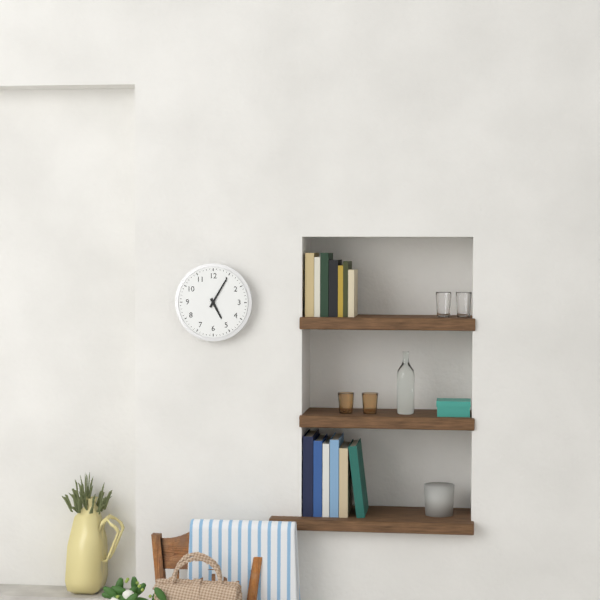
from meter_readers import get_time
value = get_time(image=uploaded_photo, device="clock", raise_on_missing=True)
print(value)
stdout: 5:05
